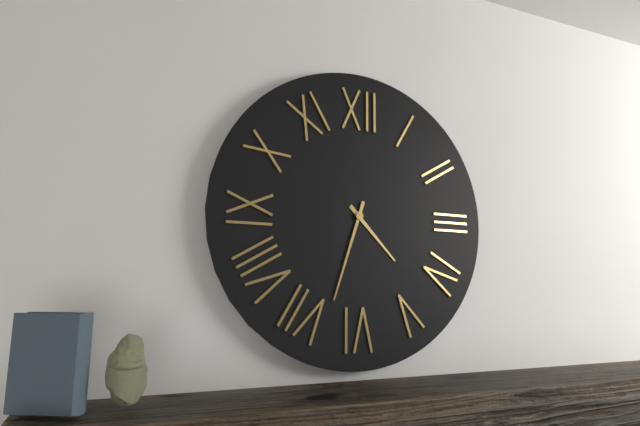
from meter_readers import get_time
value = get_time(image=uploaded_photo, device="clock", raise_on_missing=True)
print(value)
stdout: 4:33
